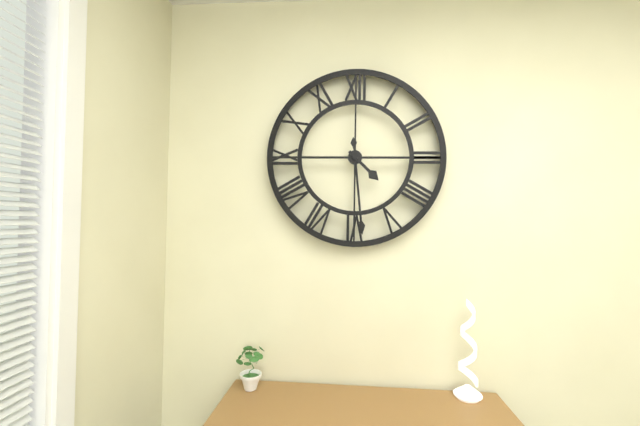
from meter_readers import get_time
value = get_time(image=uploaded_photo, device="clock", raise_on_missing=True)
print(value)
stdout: 4:29
